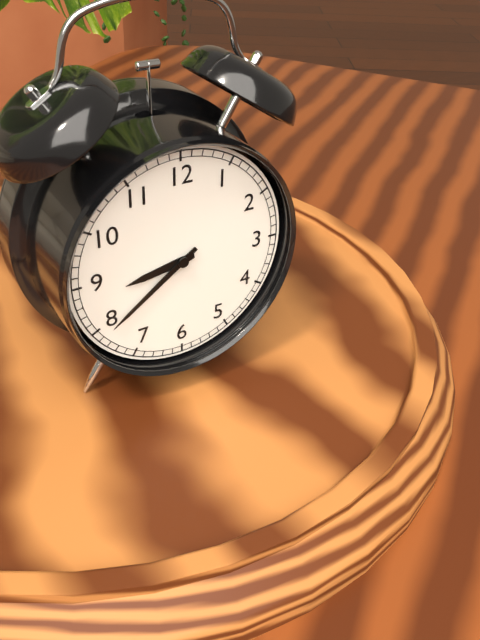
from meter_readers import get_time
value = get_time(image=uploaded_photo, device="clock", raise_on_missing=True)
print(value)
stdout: 8:39
